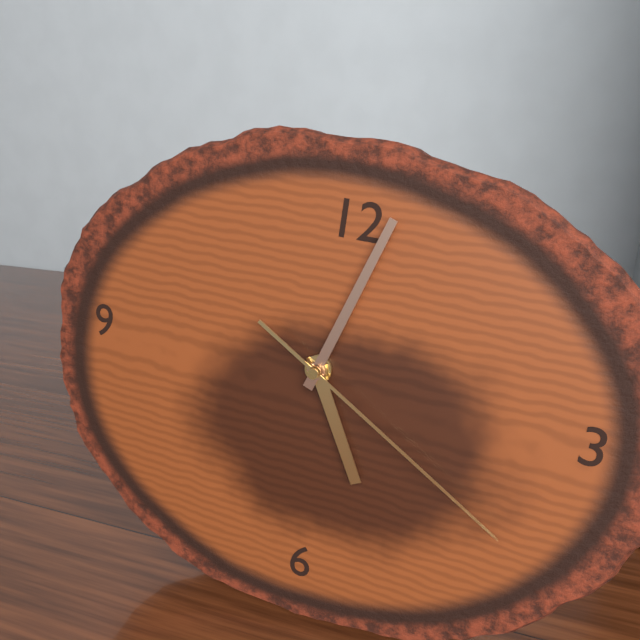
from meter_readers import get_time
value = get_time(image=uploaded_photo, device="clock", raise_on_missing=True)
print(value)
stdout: 5:03:20
